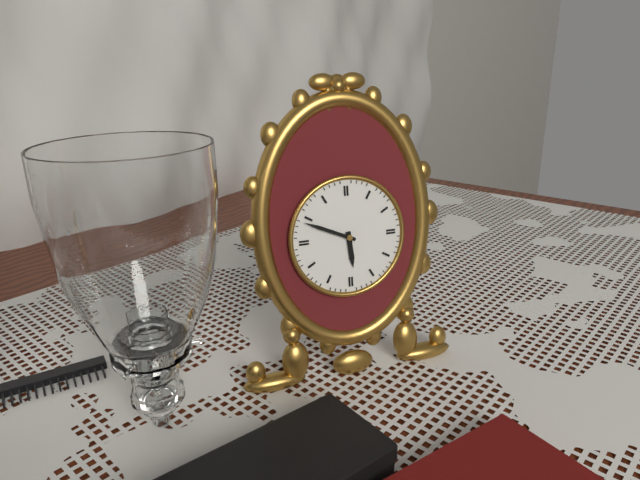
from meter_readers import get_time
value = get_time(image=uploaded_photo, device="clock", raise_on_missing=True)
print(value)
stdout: 5:49
